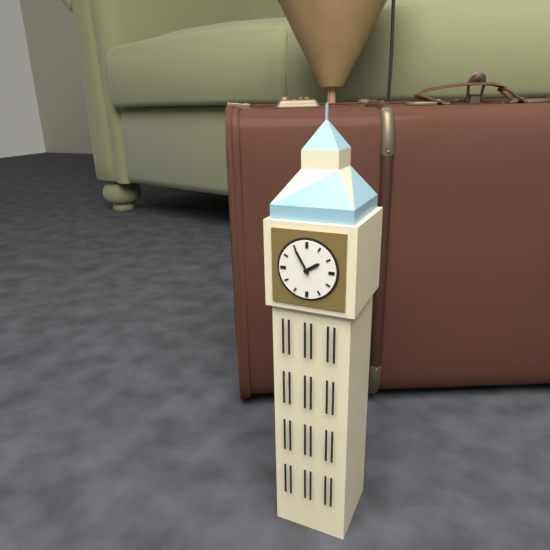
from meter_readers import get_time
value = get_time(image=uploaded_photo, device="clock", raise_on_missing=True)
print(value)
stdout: 1:55
